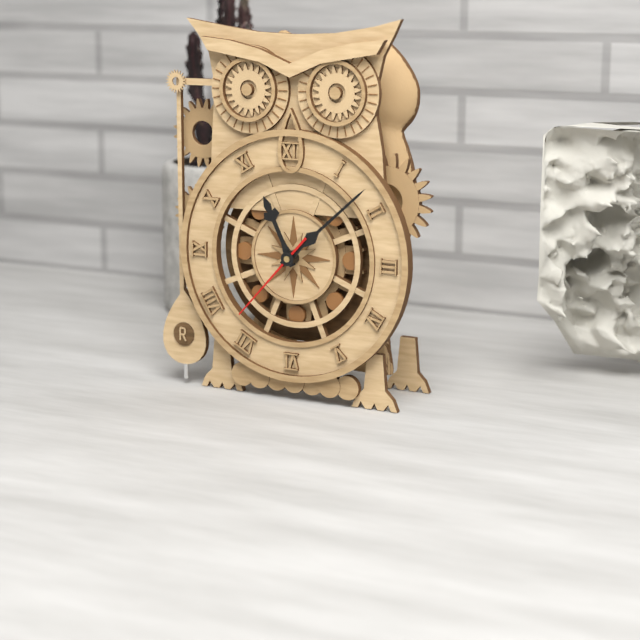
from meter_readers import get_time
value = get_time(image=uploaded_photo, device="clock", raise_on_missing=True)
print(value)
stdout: 11:08:37
